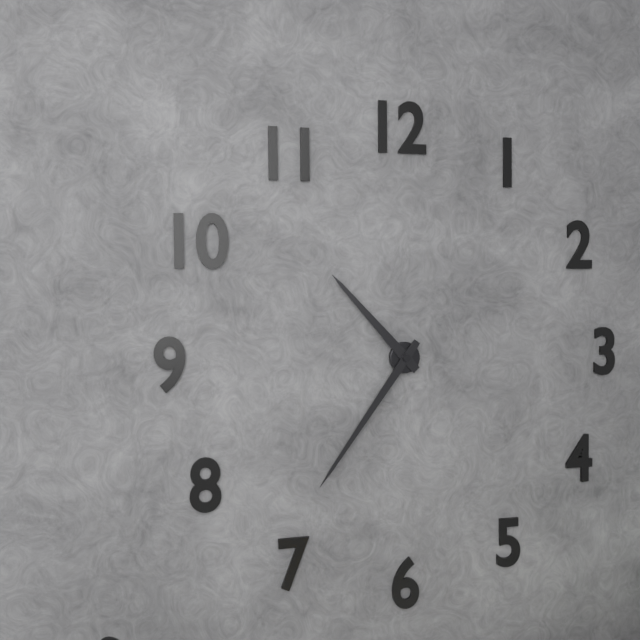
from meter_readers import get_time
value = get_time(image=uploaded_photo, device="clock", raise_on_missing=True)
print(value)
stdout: 10:36
